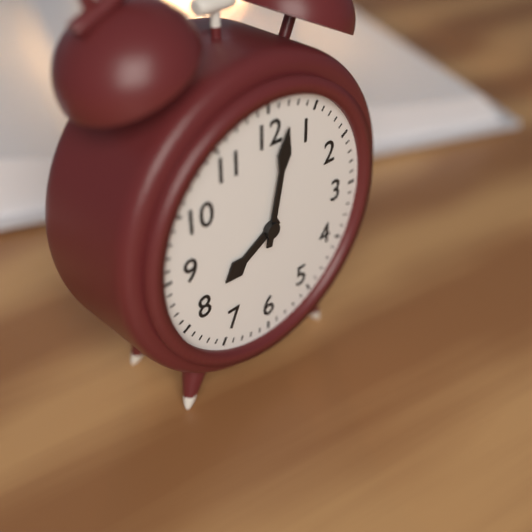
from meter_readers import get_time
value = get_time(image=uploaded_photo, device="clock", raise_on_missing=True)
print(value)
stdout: 8:02
